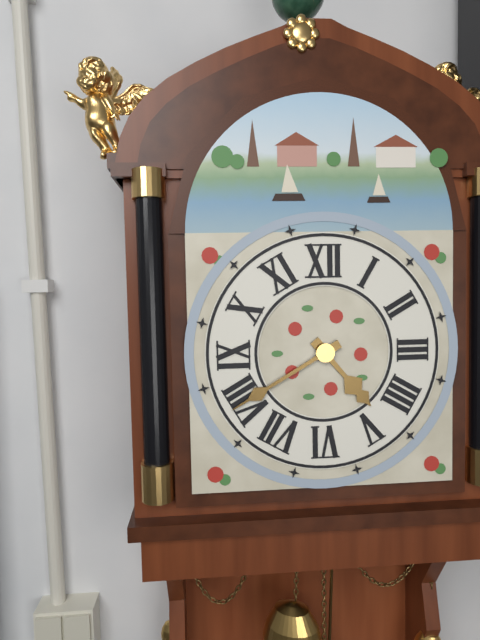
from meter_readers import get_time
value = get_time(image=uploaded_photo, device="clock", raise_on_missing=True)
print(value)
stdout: 4:40
